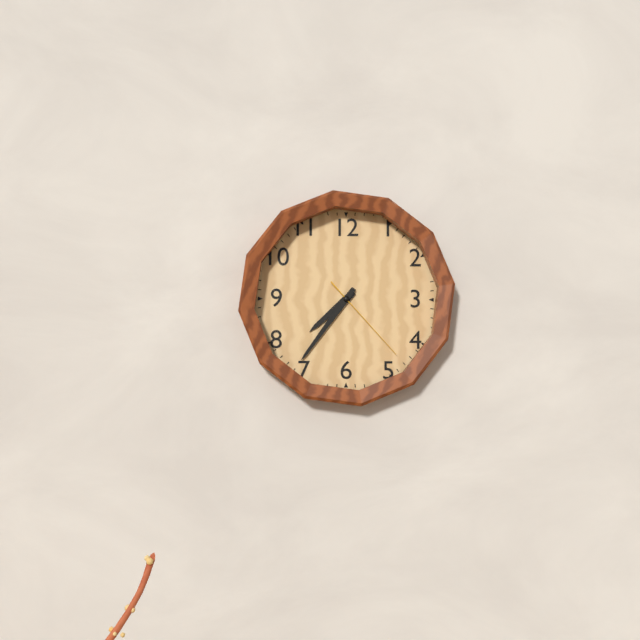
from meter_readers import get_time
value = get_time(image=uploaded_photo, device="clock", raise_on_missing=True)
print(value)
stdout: 7:36:23
